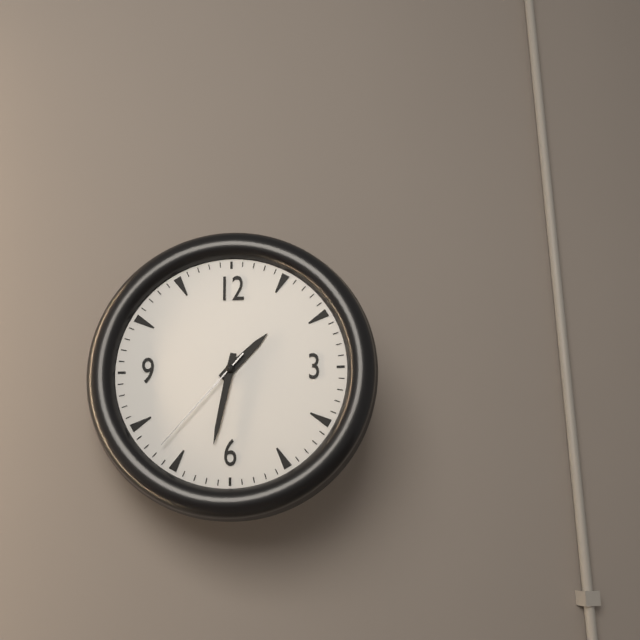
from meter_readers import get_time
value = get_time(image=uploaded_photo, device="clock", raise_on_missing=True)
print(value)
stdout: 1:32:37
